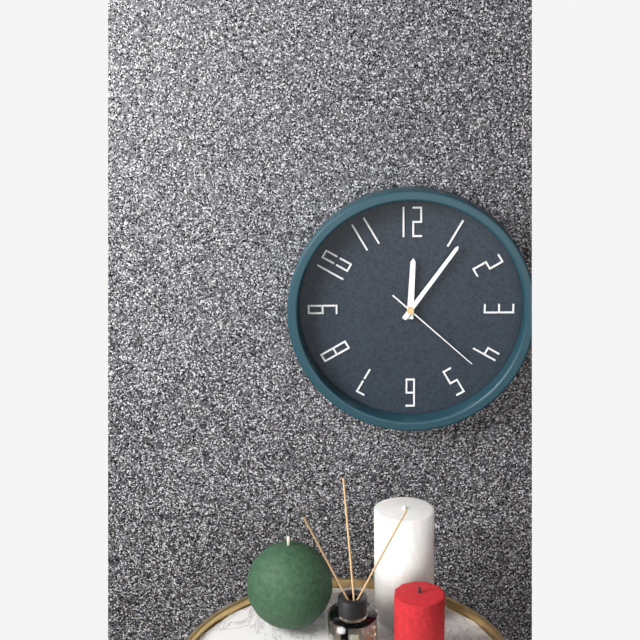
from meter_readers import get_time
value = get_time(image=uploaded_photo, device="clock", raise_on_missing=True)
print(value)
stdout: 12:06:22
